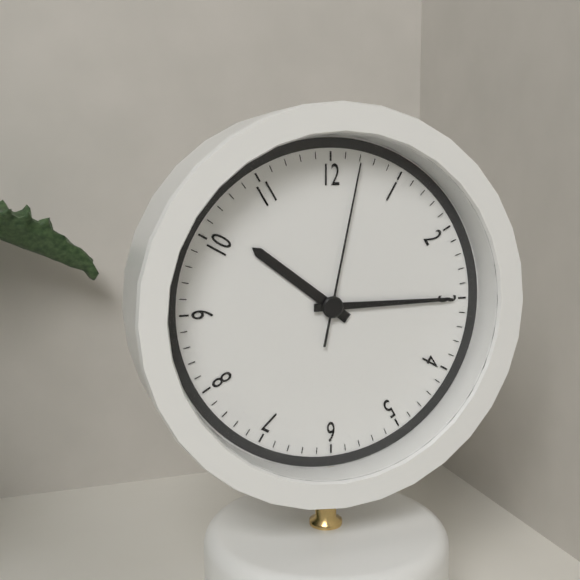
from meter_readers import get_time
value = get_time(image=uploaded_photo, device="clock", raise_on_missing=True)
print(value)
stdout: 10:15:02
